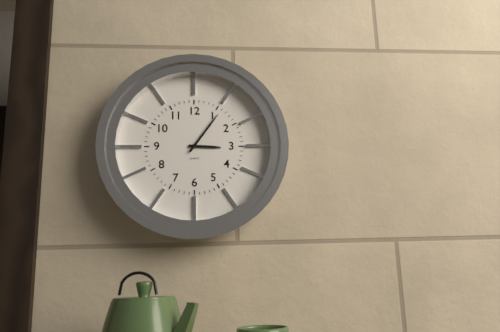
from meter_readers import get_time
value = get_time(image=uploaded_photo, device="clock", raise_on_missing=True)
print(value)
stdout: 3:06
